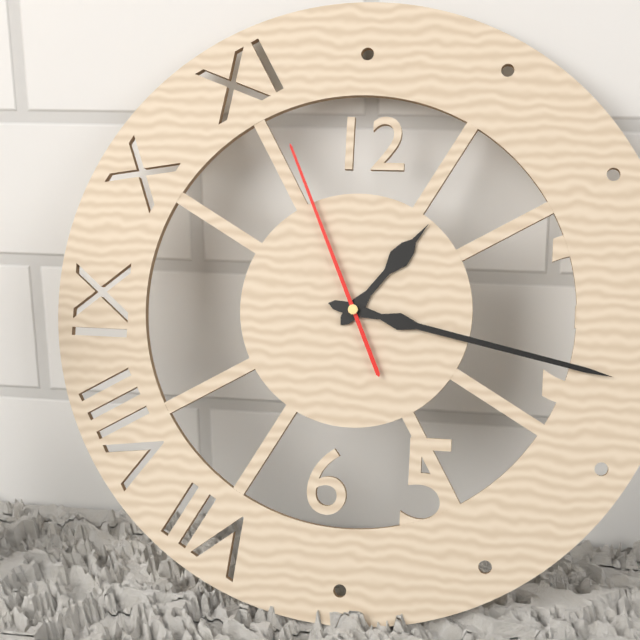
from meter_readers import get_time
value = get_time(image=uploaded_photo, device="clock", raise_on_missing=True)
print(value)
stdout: 1:17:56
